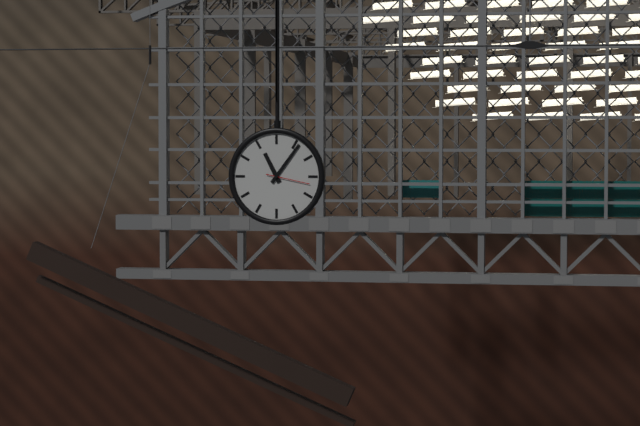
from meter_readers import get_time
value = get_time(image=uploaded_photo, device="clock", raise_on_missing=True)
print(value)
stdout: 11:06
